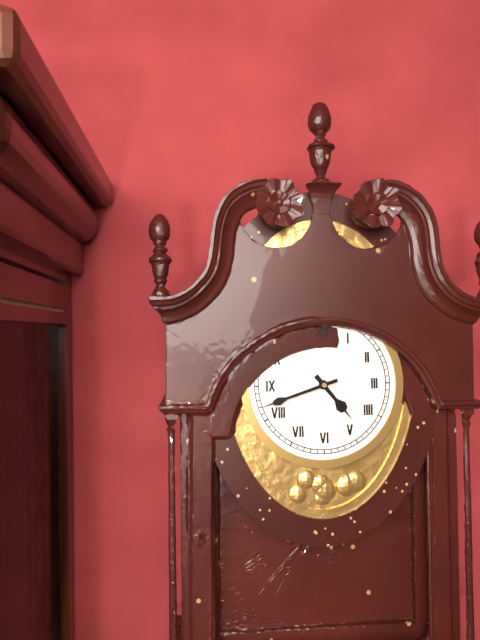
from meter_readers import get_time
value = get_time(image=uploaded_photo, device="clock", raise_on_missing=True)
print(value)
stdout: 4:42
